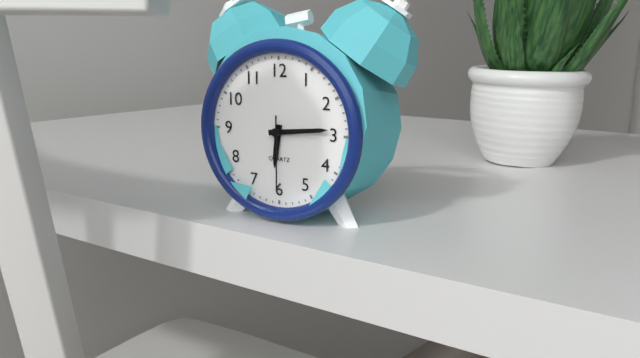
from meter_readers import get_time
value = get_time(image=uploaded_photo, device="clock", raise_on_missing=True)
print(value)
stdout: 6:14:30
